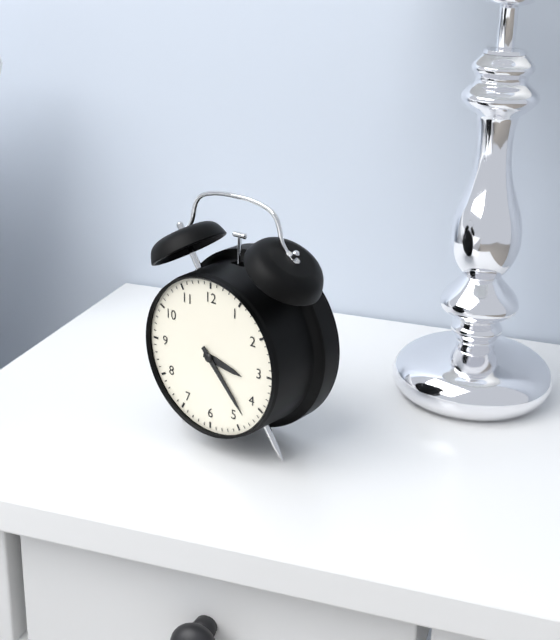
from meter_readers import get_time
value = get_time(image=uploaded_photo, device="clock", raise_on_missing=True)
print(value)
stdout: 3:23
